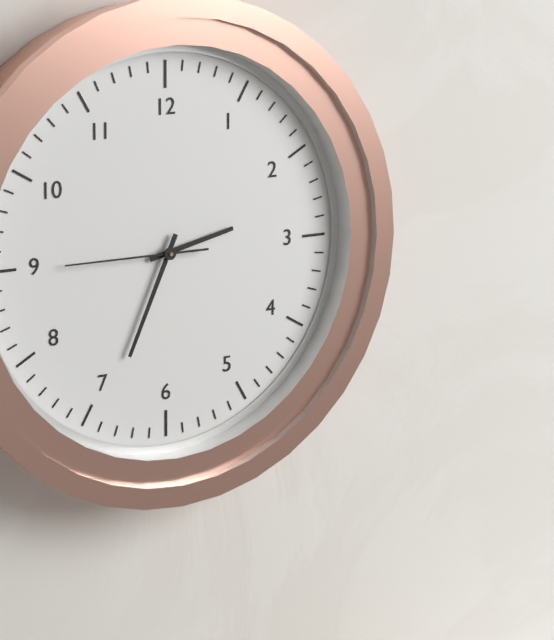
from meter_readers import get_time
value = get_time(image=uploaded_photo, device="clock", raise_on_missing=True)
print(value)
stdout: 2:34:45
